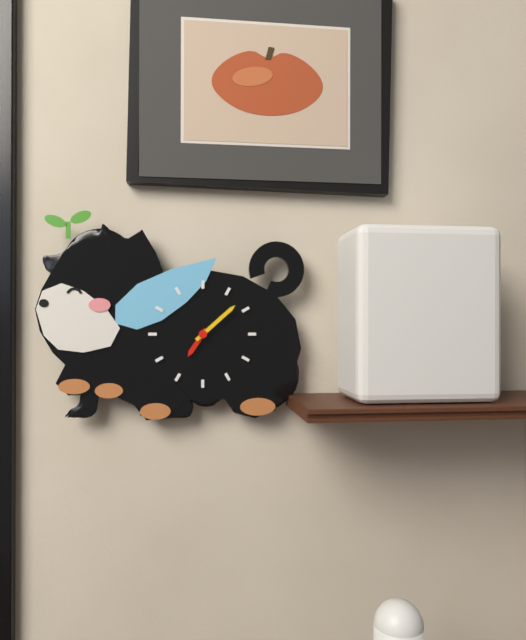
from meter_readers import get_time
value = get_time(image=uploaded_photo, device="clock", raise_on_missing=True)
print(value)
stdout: 7:08
